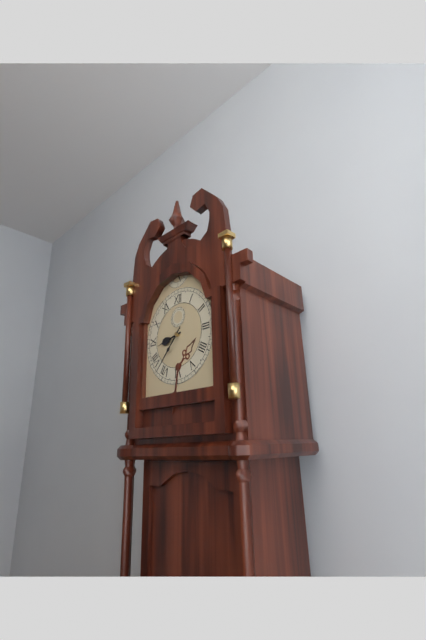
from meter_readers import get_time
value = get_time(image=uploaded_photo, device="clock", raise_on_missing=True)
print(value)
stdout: 8:37
